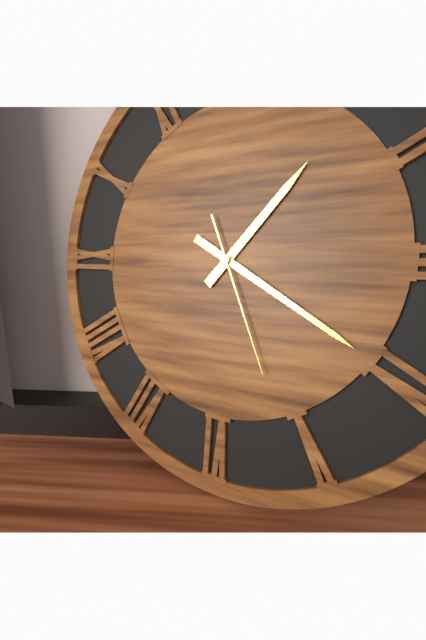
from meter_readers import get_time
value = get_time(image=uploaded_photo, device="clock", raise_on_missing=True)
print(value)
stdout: 1:20:26
